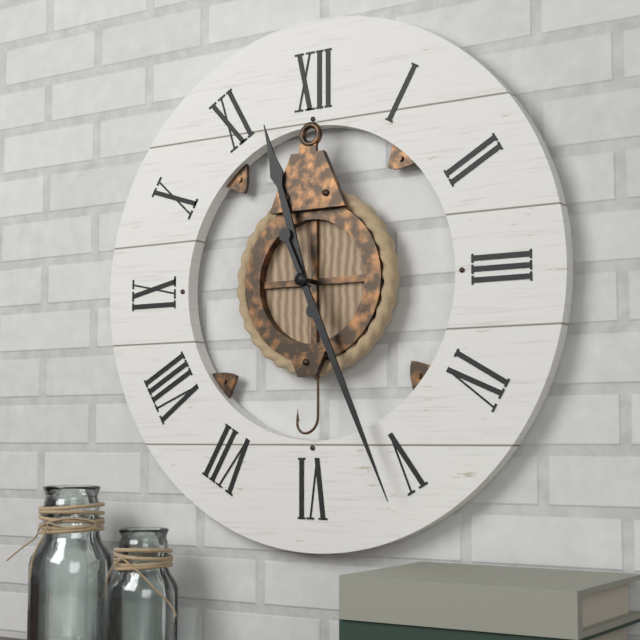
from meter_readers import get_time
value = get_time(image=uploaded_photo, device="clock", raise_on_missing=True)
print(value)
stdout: 11:26
